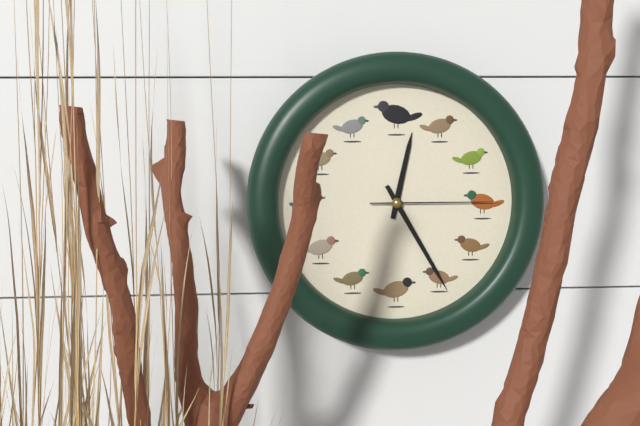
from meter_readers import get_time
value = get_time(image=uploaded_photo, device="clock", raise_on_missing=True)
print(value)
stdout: 12:25:15
